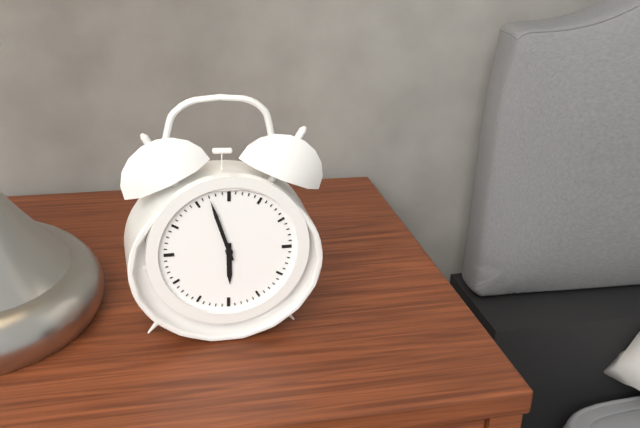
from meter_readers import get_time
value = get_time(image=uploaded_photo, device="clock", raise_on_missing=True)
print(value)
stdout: 5:57
